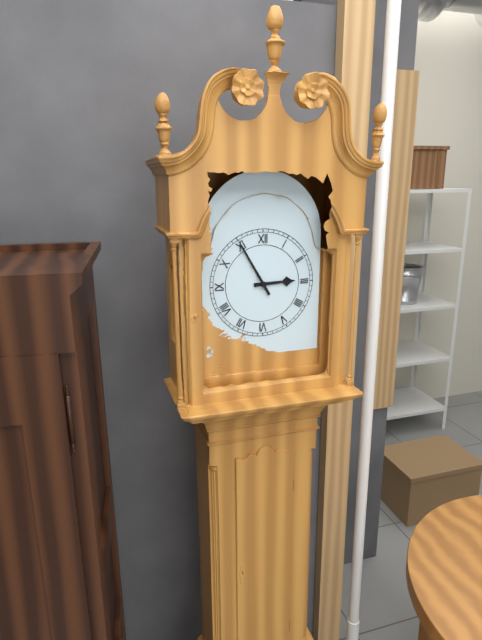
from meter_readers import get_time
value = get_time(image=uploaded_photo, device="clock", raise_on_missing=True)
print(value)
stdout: 2:55
